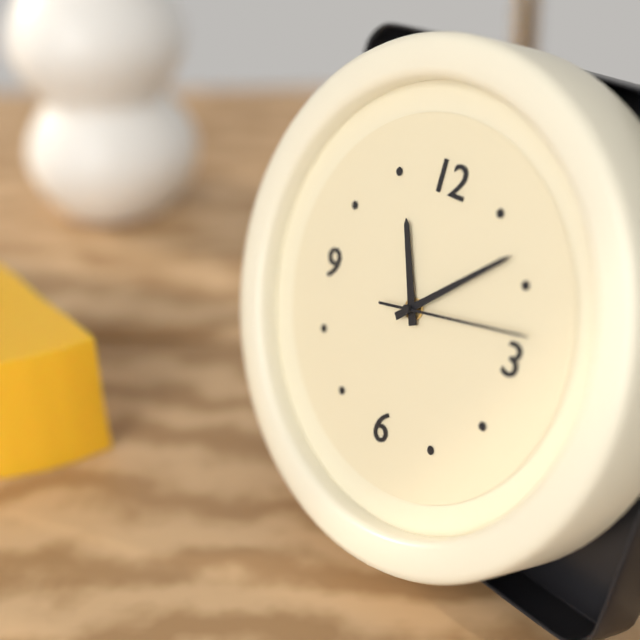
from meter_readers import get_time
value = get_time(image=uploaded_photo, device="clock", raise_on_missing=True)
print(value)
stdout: 11:08:13
